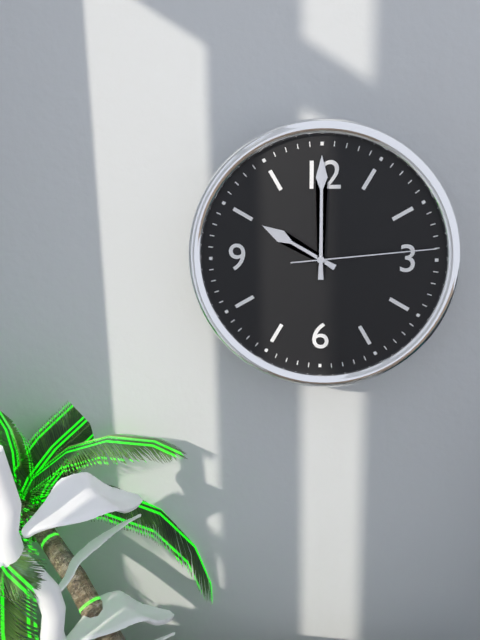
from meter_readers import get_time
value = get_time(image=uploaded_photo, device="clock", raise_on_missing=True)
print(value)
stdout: 10:00:14
